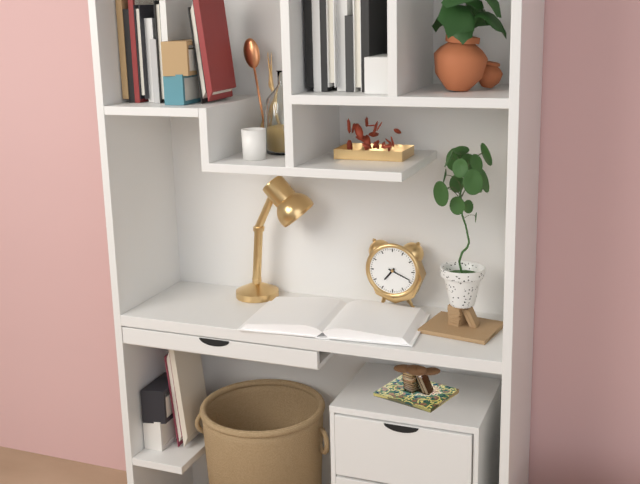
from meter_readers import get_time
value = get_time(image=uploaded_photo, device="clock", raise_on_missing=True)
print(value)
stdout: 7:19
